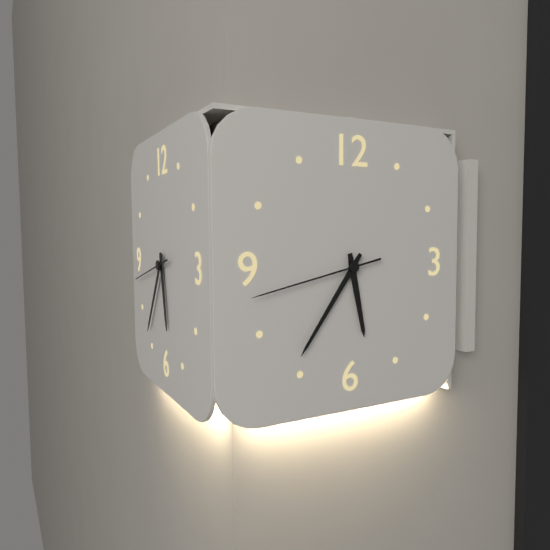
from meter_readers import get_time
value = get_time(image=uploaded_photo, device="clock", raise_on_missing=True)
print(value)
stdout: 5:36:43
